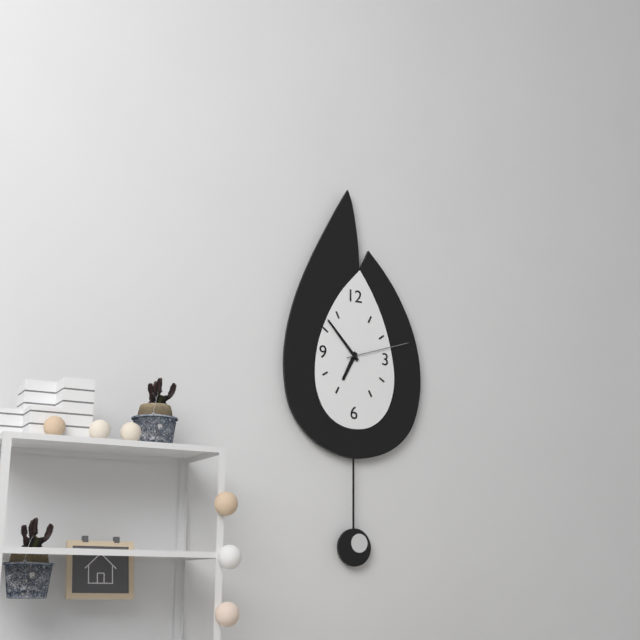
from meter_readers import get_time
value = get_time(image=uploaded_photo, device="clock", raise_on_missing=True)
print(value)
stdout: 6:53:12
